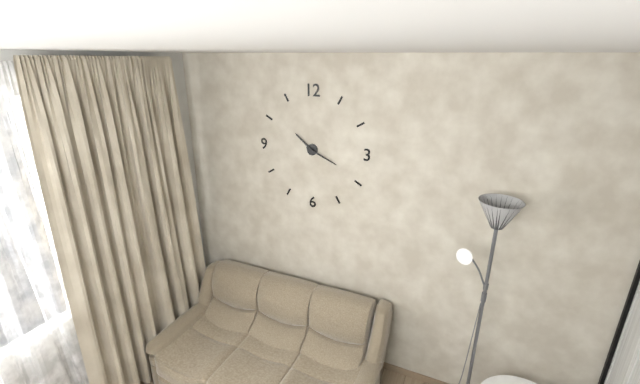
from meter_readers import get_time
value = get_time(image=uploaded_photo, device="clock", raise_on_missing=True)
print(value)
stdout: 10:19
